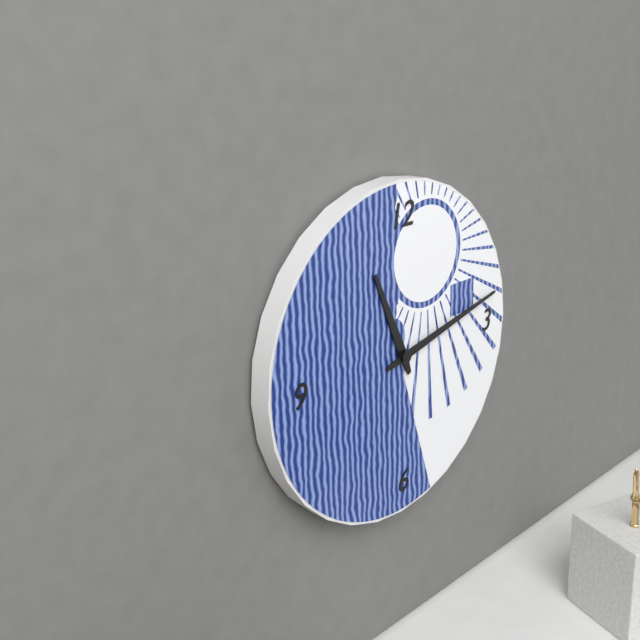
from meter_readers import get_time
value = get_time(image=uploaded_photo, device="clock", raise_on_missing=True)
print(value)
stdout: 11:13
